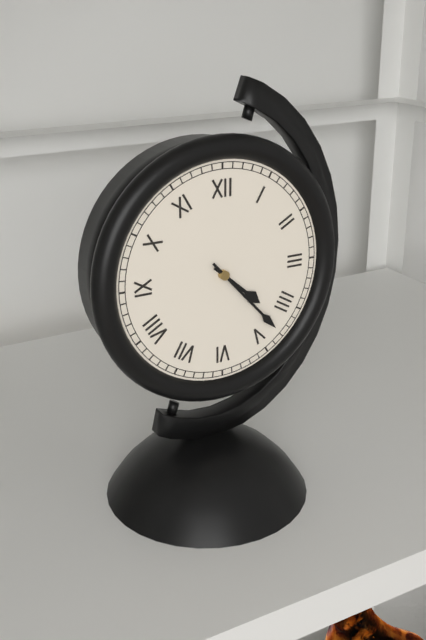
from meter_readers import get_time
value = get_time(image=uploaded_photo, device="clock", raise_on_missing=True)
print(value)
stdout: 4:23
